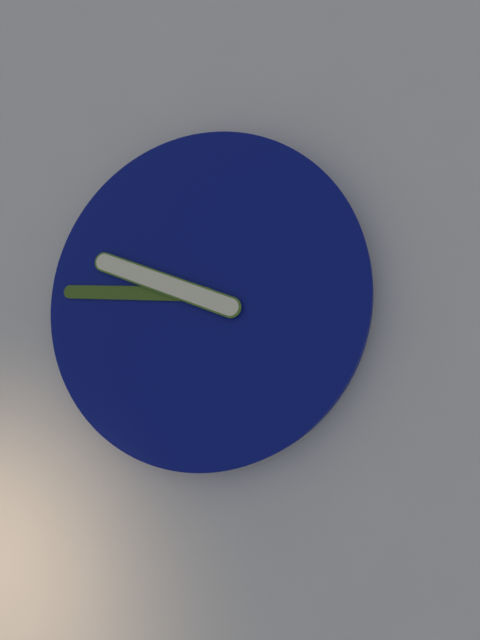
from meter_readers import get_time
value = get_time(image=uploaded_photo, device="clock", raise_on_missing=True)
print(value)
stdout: 9:46
